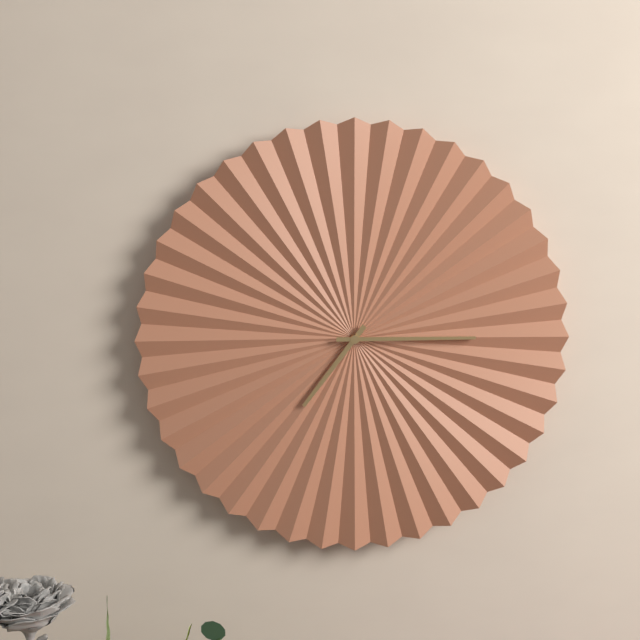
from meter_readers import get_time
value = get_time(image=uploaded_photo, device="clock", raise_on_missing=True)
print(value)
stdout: 7:15
